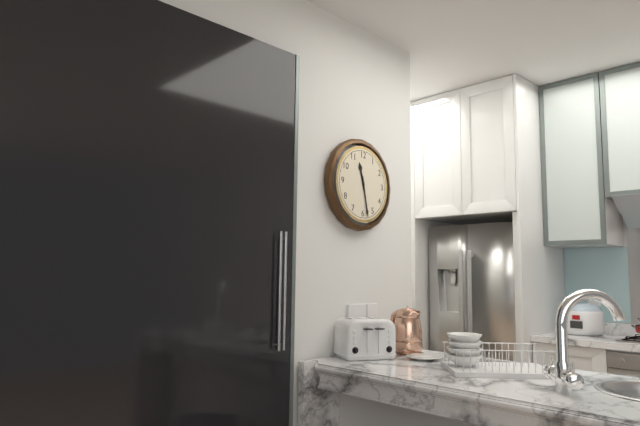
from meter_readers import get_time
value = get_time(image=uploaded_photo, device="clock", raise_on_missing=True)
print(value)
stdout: 11:28
